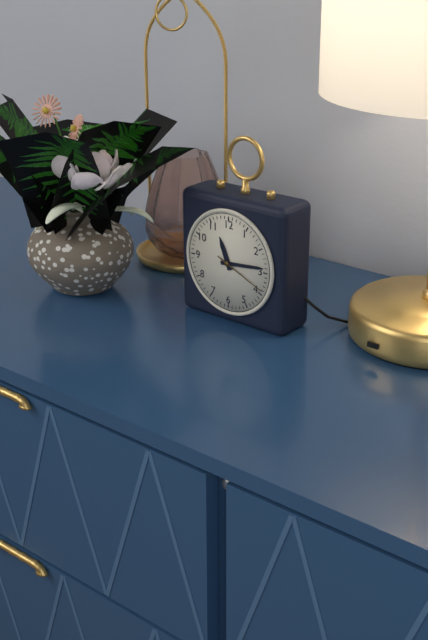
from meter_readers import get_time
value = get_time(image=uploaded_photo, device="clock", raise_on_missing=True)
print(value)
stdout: 11:14:19
